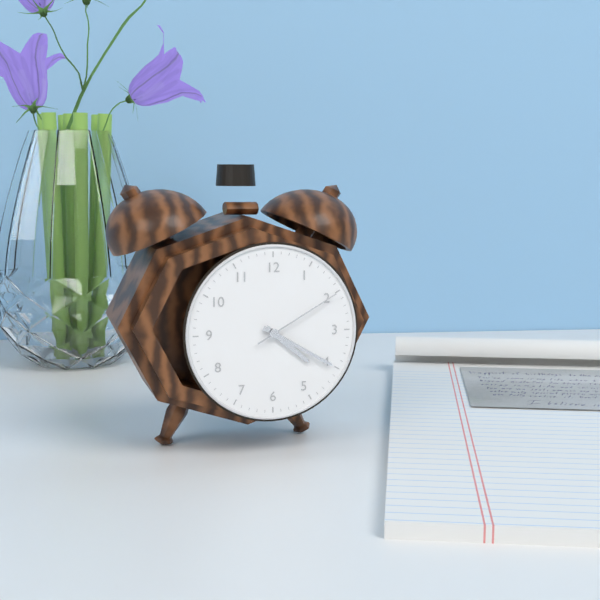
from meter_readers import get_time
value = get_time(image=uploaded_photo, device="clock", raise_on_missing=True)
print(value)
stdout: 4:20:10
